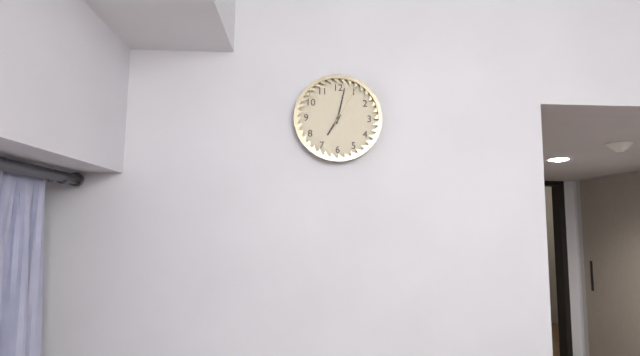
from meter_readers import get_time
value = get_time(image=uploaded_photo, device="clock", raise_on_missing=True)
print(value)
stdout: 7:02
